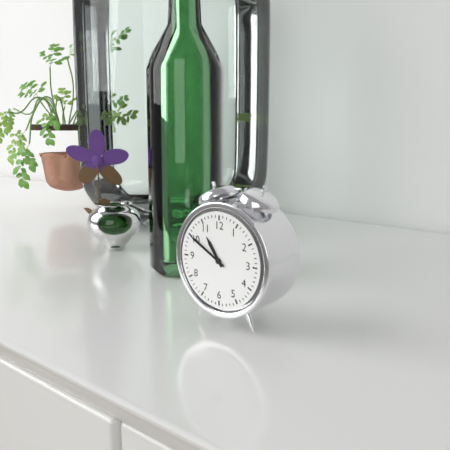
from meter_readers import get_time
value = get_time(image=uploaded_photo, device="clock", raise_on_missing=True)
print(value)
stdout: 10:50
